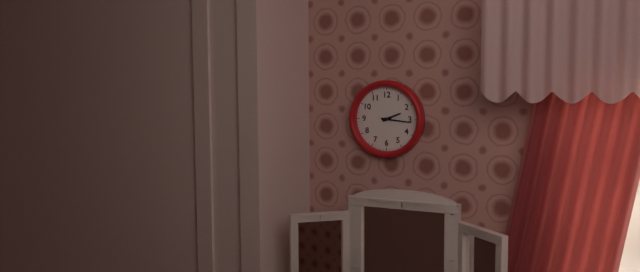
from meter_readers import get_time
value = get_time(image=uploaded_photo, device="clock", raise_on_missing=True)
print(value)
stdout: 2:16
